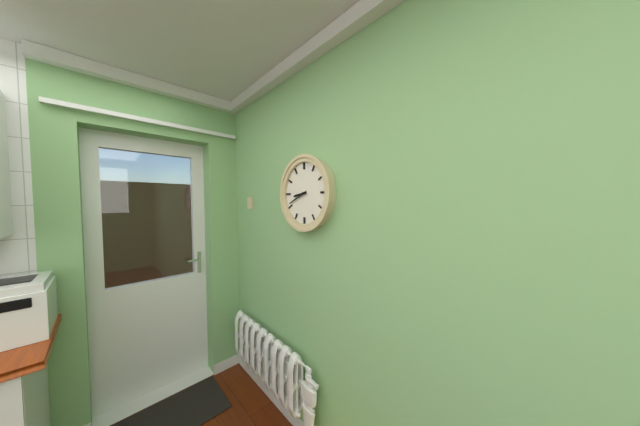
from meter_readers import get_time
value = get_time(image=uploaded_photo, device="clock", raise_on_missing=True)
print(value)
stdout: 8:41
